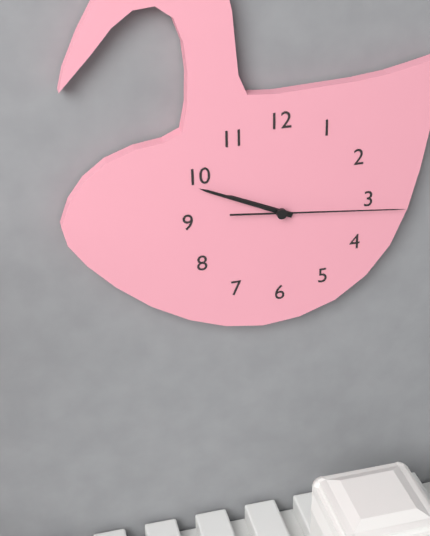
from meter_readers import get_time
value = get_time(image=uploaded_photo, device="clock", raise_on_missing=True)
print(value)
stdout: 9:49:16
